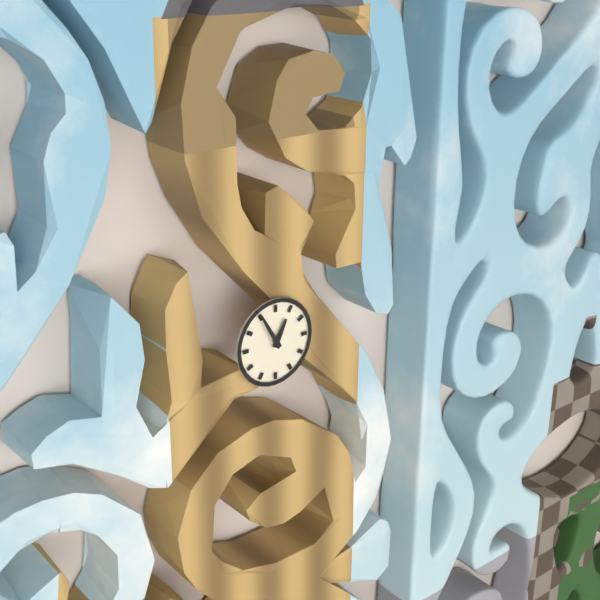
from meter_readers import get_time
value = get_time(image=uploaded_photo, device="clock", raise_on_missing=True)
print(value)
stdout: 12:55
